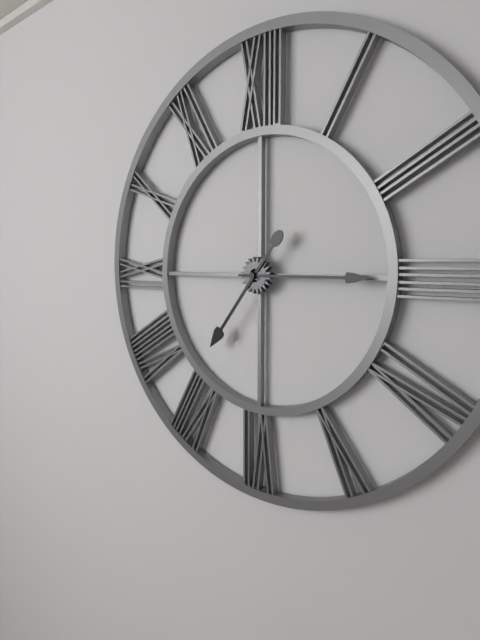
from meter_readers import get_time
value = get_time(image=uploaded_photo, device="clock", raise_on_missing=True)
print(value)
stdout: 7:15
